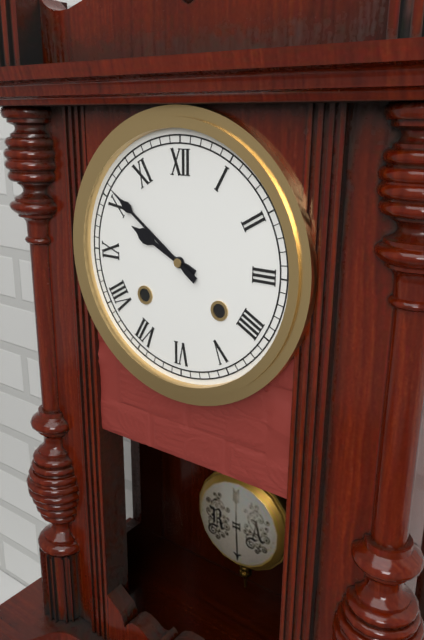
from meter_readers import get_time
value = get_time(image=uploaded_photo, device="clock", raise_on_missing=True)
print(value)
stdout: 9:51
